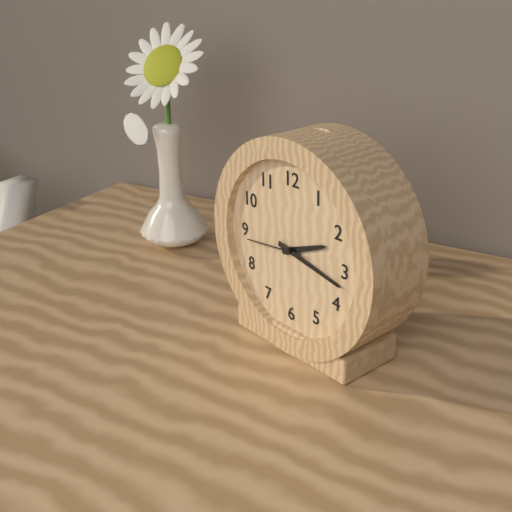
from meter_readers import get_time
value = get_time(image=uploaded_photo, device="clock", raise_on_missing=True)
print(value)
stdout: 2:17:44
